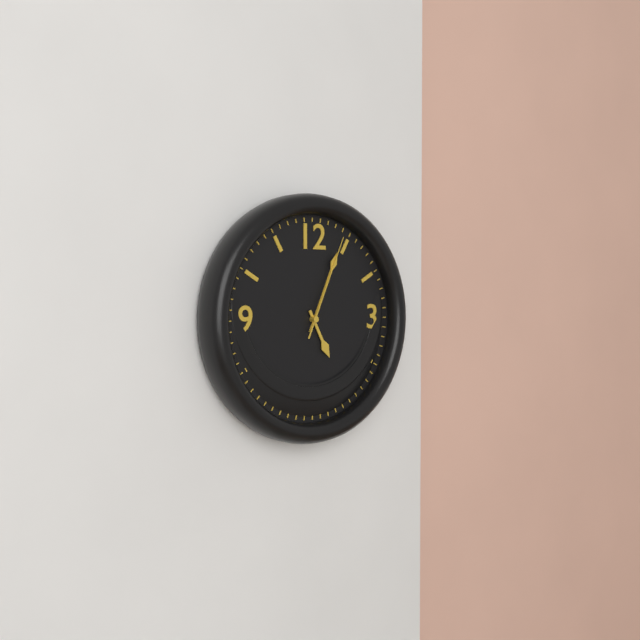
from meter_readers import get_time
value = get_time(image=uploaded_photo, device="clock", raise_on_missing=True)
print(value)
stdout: 5:04:04
